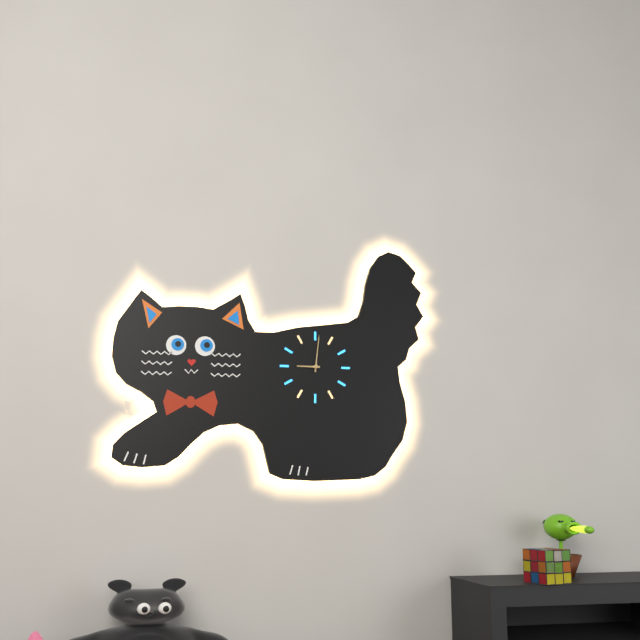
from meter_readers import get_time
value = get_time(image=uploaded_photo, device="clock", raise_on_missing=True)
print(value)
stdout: 9:01
